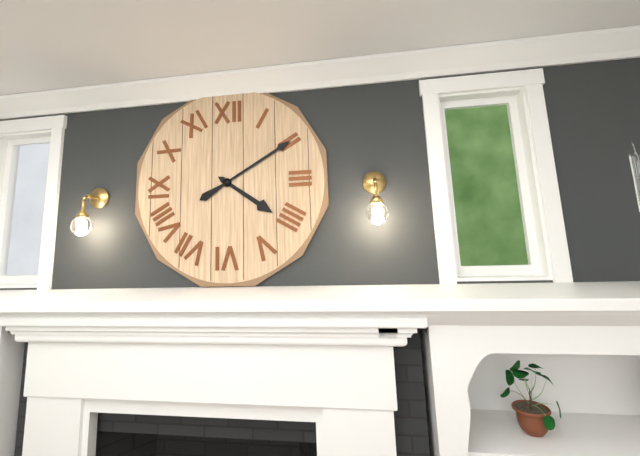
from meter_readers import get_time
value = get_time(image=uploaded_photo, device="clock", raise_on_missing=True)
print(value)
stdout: 4:10
